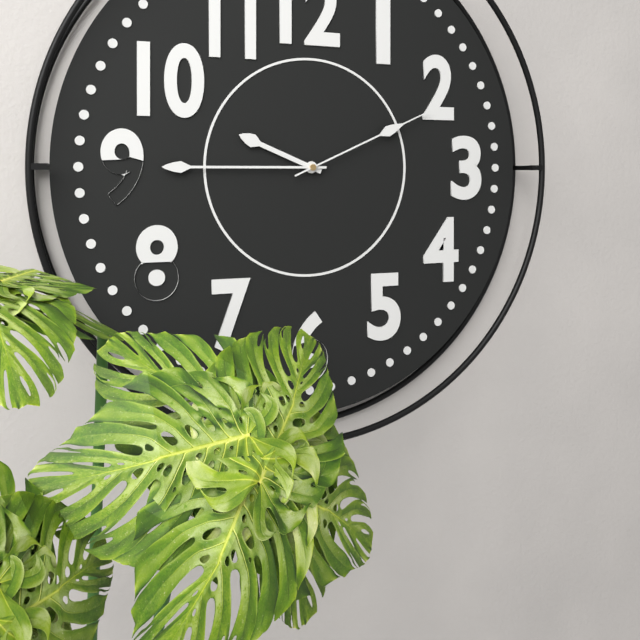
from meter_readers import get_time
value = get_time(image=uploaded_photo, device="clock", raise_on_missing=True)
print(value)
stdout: 9:45:11
